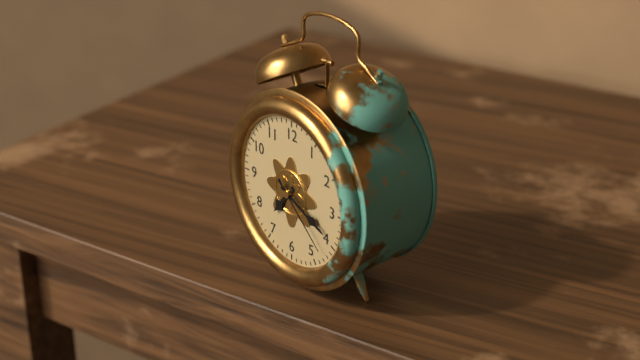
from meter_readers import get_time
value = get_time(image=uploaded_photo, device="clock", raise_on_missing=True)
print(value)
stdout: 7:19:22
